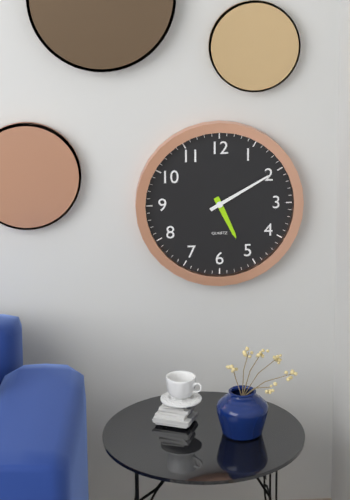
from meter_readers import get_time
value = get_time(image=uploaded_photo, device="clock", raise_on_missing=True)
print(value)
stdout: 5:10
